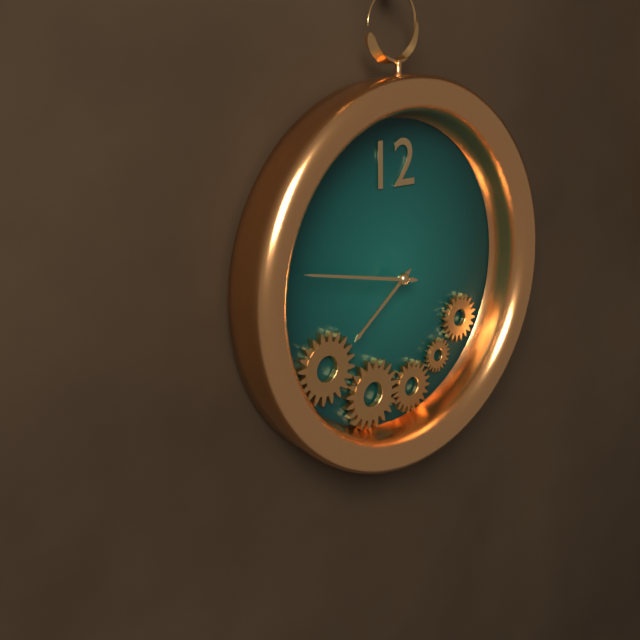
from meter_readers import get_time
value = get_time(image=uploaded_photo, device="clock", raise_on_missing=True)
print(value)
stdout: 7:47
